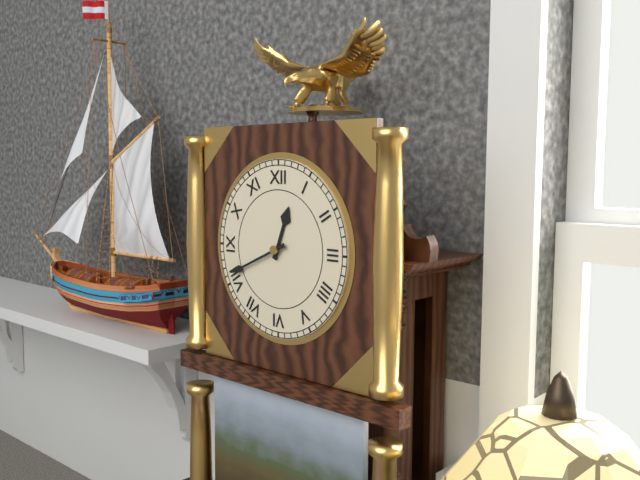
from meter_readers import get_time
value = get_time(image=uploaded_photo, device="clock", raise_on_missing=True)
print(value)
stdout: 12:41
